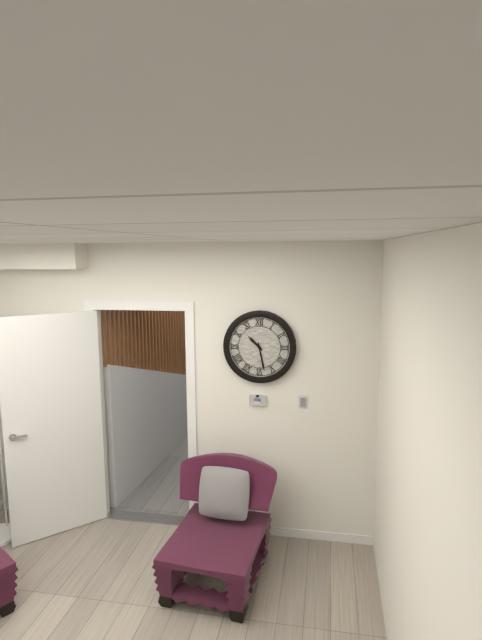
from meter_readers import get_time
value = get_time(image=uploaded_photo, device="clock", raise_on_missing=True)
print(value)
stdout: 10:28
